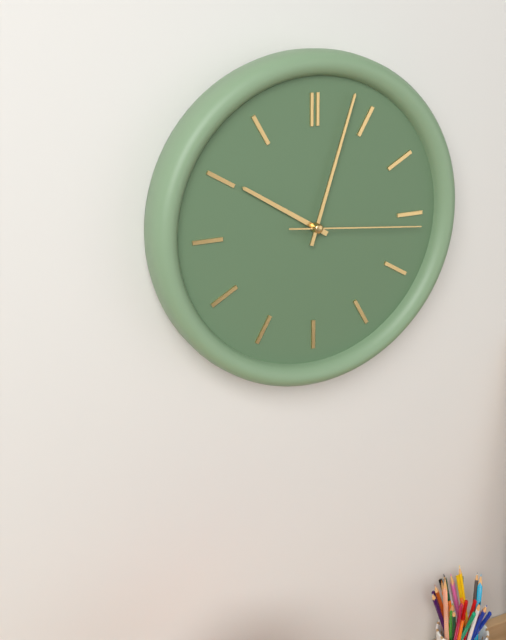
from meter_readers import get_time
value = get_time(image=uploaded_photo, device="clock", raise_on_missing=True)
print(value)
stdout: 10:03:16
